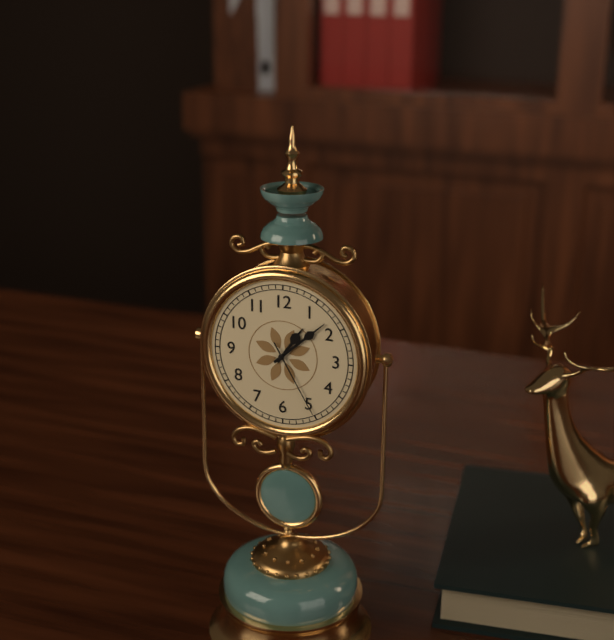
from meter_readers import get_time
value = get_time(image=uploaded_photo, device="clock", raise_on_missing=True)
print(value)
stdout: 1:08:25
